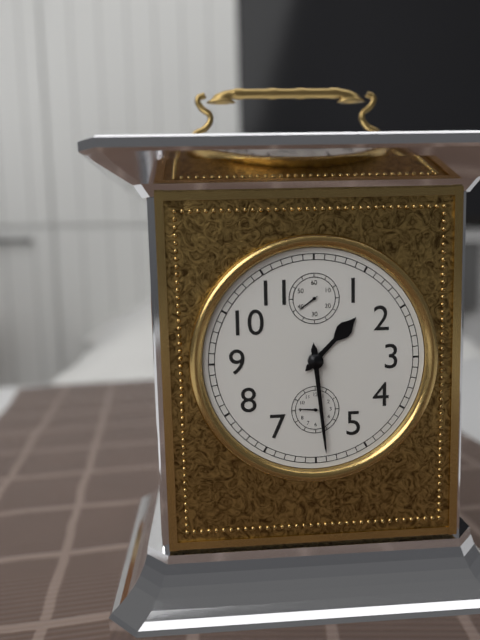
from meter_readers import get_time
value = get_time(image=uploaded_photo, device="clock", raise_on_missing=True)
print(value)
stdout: 1:29
